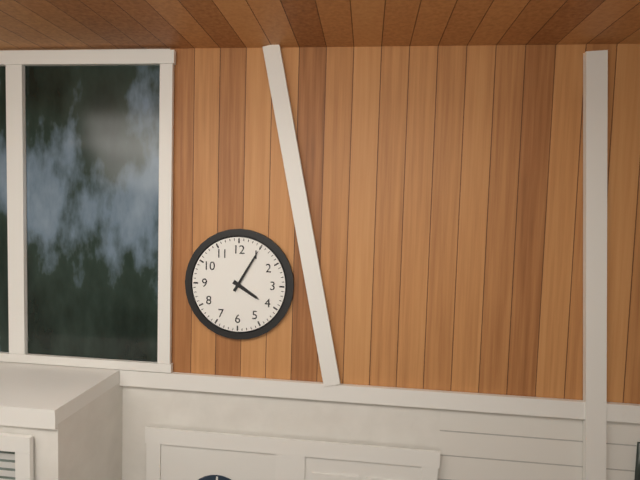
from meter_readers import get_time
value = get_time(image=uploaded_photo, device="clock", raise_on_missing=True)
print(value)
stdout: 4:05
